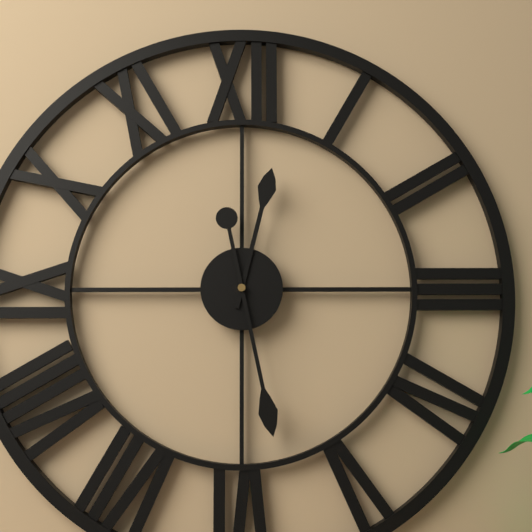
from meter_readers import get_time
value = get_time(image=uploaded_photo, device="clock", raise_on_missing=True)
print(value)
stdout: 12:28
